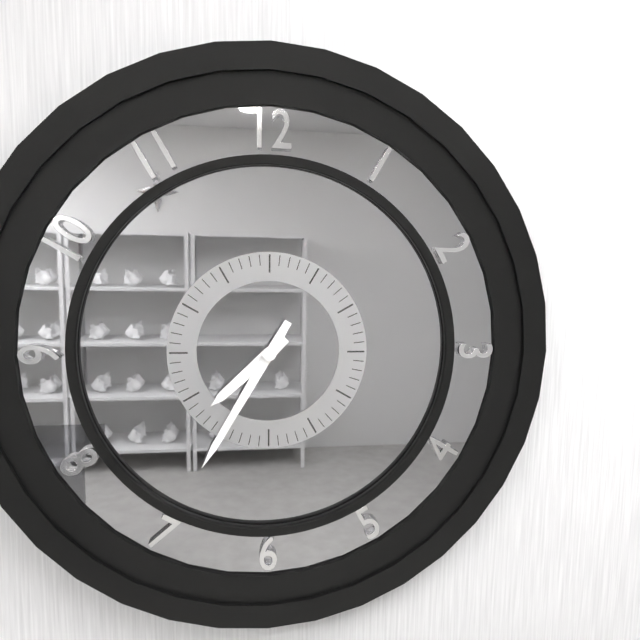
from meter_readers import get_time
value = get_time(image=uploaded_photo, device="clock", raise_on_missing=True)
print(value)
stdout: 7:35
